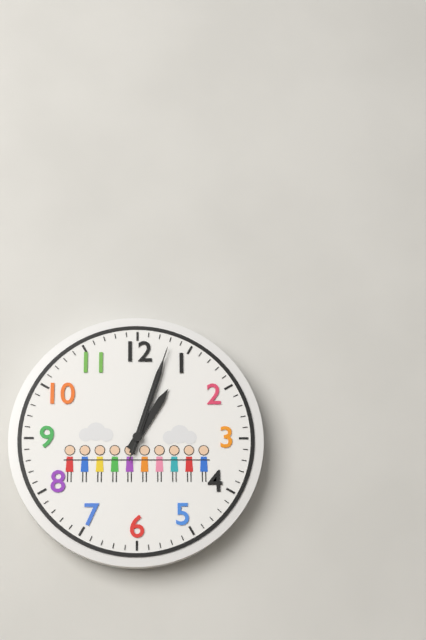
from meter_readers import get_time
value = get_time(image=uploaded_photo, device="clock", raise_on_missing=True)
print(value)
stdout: 1:03:03
